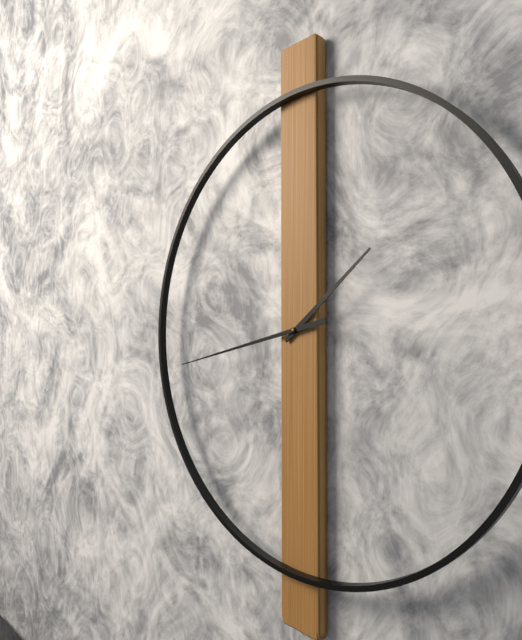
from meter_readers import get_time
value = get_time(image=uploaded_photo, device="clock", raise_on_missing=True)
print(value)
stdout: 1:43
